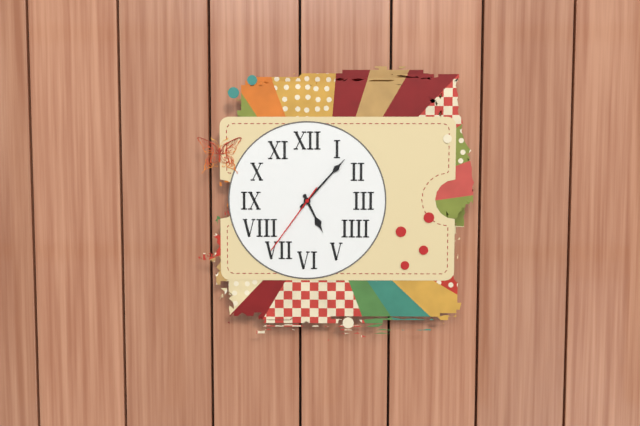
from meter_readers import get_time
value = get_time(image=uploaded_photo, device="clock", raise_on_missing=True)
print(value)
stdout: 5:07:36
